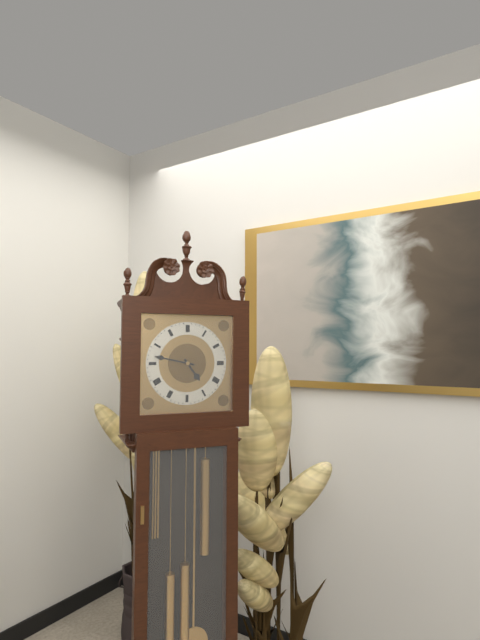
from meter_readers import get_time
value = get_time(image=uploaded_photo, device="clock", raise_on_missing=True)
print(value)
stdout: 4:47
